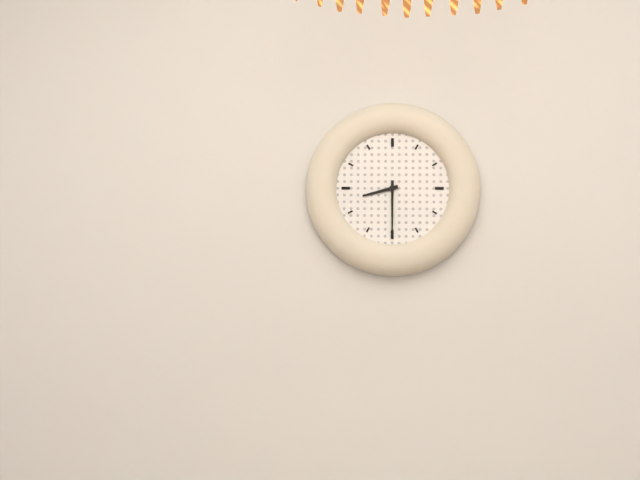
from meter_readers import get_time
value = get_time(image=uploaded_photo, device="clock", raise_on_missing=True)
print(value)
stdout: 8:30
